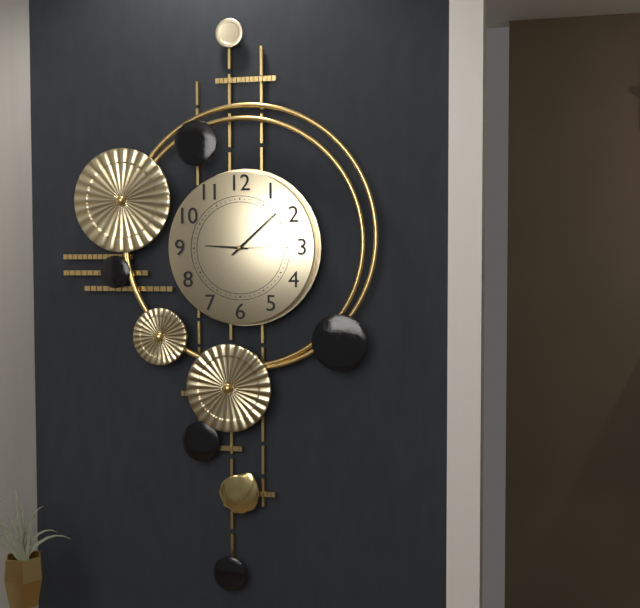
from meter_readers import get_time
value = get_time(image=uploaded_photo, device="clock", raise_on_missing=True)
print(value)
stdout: 9:08
